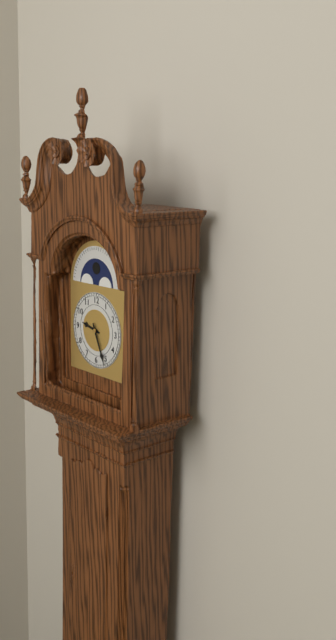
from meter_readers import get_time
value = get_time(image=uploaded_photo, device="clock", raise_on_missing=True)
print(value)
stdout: 9:26
